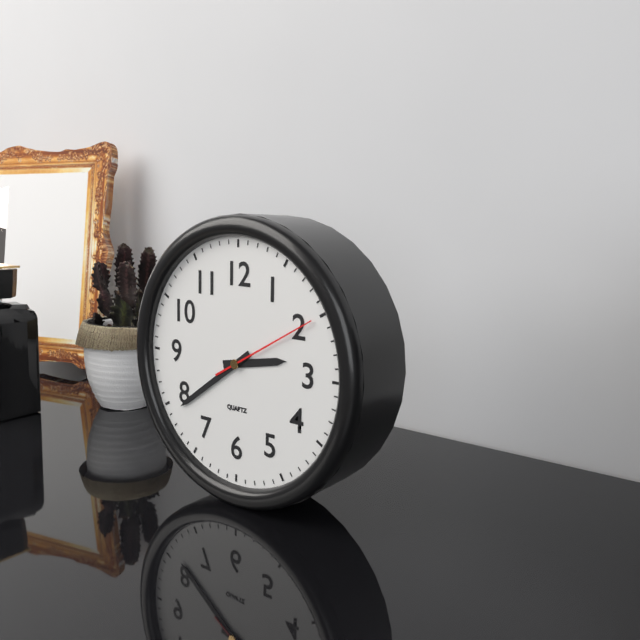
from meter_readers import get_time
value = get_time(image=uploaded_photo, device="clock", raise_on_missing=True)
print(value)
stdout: 2:39:10
